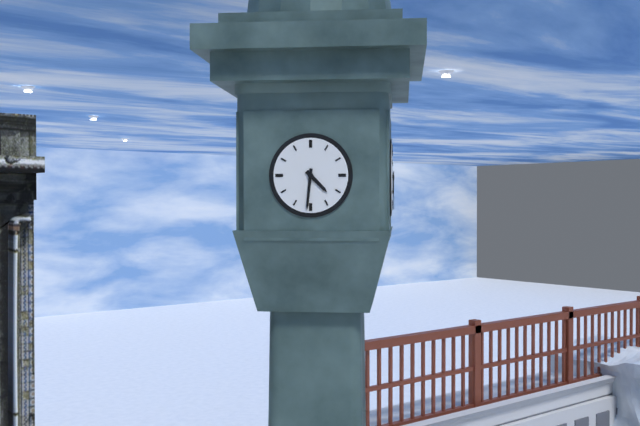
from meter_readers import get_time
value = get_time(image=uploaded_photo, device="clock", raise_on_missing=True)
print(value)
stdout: 4:31
